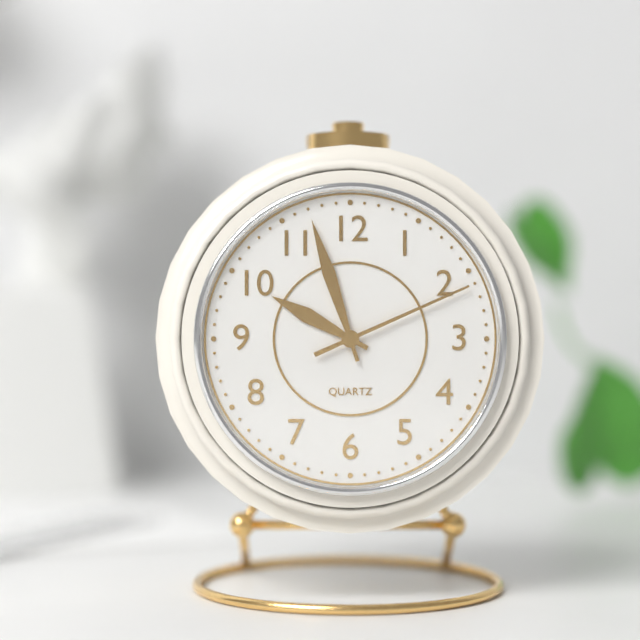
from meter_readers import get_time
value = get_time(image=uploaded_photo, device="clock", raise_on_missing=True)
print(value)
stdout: 9:57:11
